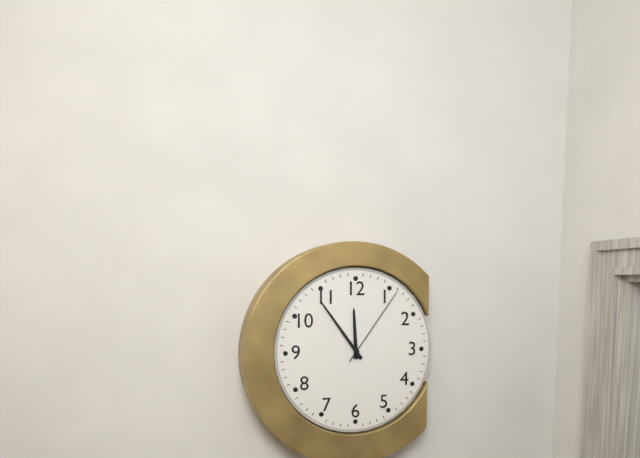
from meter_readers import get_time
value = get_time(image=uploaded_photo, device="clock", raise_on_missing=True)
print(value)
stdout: 11:54:06
